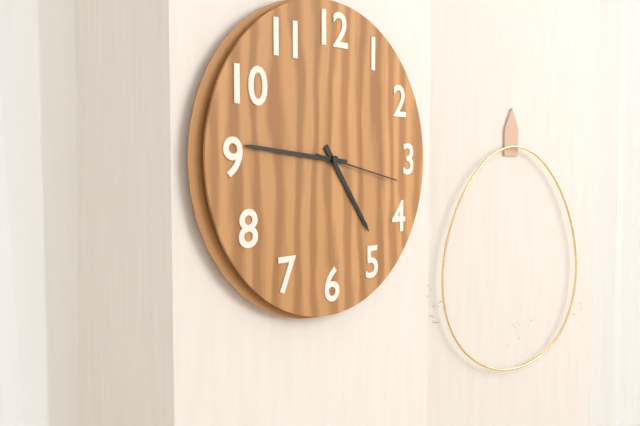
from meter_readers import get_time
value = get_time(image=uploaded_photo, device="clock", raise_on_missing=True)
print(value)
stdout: 4:46:17
